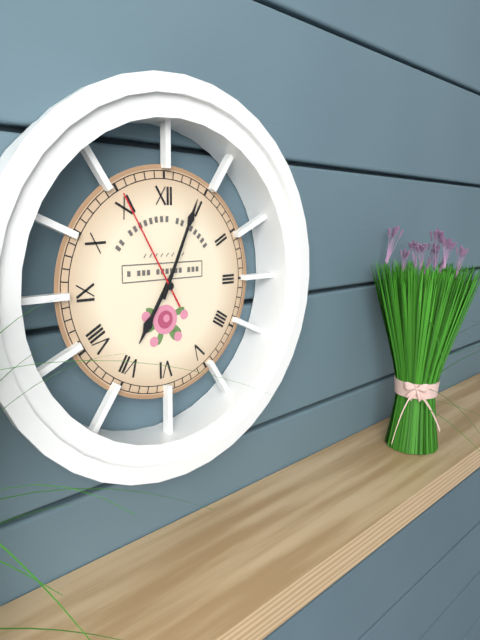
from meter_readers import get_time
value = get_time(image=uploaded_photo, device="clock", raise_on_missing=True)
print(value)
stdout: 7:04:55
